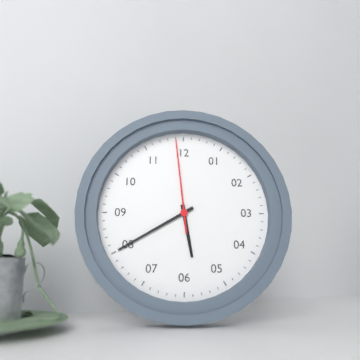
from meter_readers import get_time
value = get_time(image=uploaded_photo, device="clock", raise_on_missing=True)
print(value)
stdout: 5:40:59
